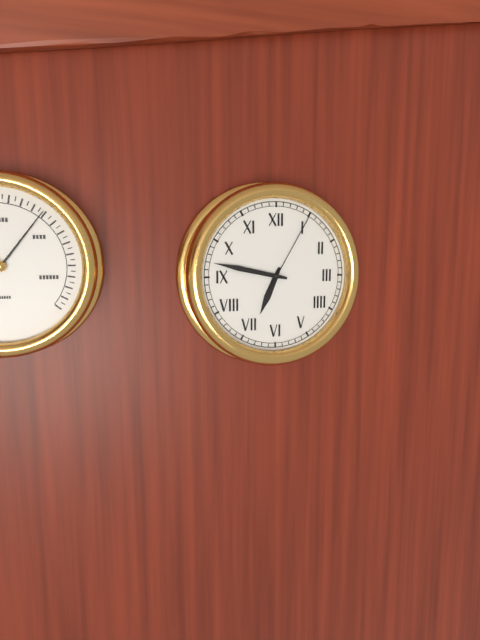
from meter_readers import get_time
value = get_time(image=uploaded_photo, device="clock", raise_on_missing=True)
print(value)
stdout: 6:47:05
